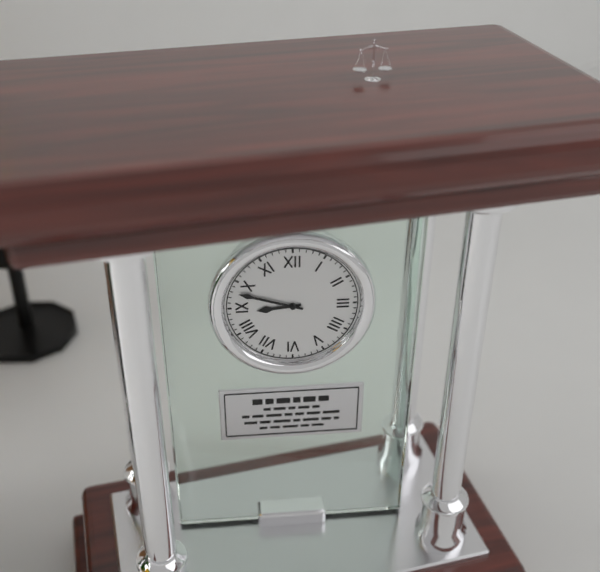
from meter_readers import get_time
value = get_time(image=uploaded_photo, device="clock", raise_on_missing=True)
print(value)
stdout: 8:48
